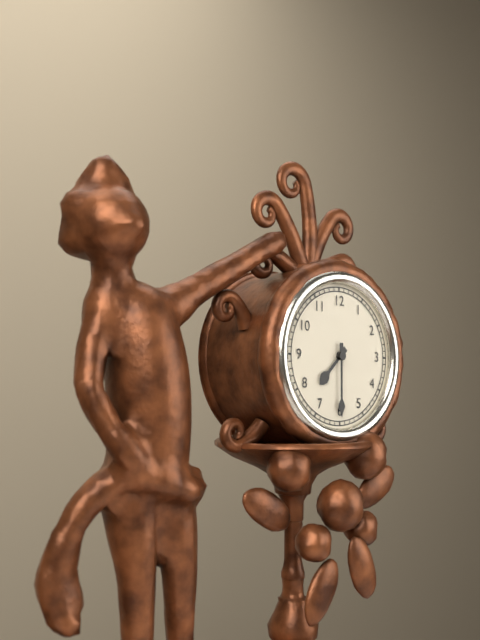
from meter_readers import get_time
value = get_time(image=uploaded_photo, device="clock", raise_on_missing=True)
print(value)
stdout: 7:30
